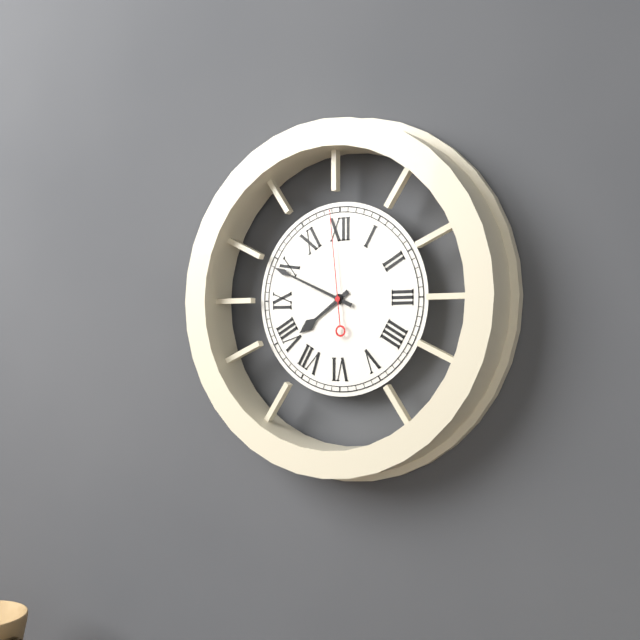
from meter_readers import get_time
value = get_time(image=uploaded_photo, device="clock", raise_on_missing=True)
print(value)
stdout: 7:49:59
